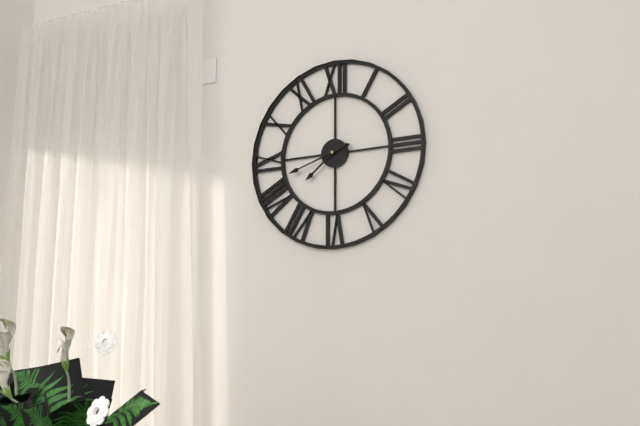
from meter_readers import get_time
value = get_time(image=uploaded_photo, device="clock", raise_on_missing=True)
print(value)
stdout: 7:42
